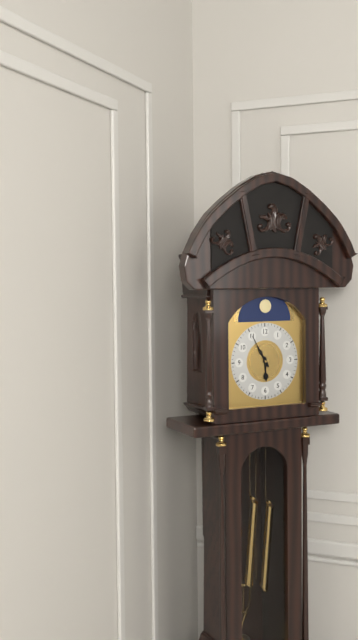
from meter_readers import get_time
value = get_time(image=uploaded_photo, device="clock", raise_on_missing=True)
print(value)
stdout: 5:55
